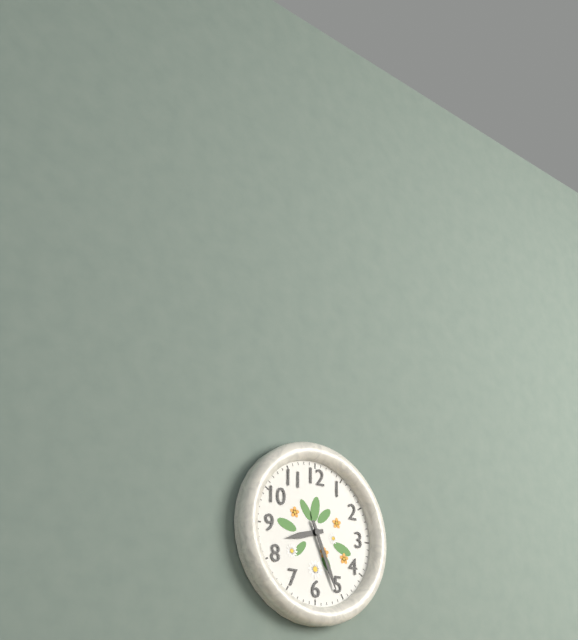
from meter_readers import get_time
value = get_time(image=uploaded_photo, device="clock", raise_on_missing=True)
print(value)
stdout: 8:26
